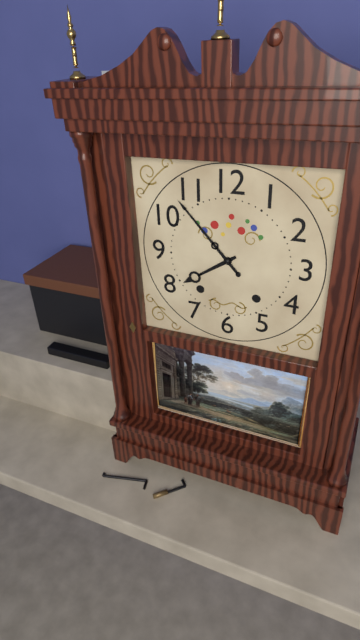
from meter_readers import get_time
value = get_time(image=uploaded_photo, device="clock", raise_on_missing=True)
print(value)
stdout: 7:53
